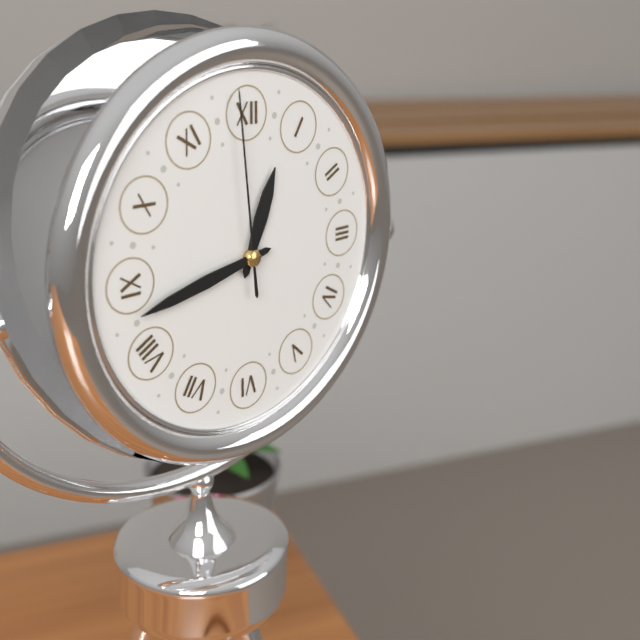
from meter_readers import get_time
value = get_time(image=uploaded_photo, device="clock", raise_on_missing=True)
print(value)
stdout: 12:43:59
